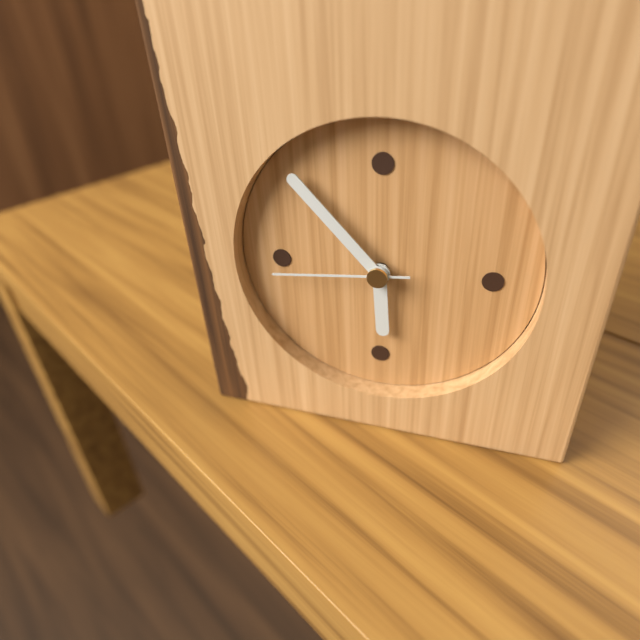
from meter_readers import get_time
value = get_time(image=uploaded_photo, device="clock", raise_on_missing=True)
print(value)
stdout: 5:53:44
